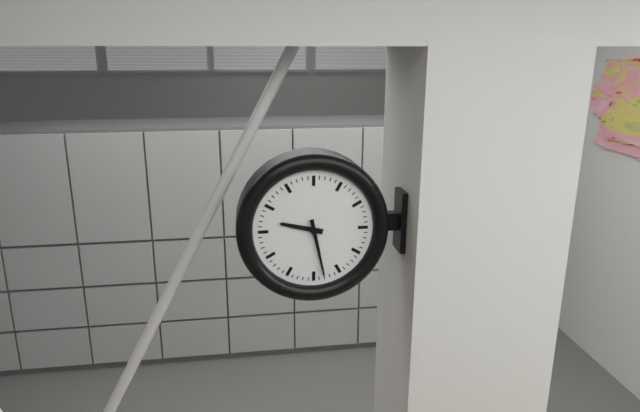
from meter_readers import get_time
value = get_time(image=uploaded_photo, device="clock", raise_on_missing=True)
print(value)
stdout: 9:28
